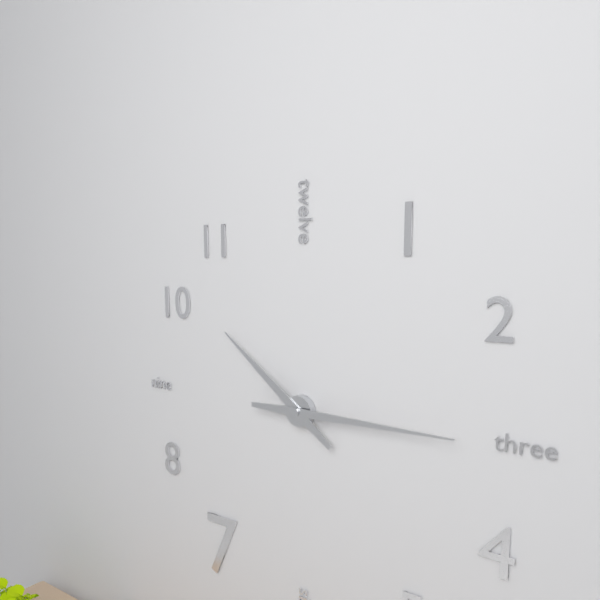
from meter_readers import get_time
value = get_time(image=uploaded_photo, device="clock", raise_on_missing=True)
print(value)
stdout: 10:15
